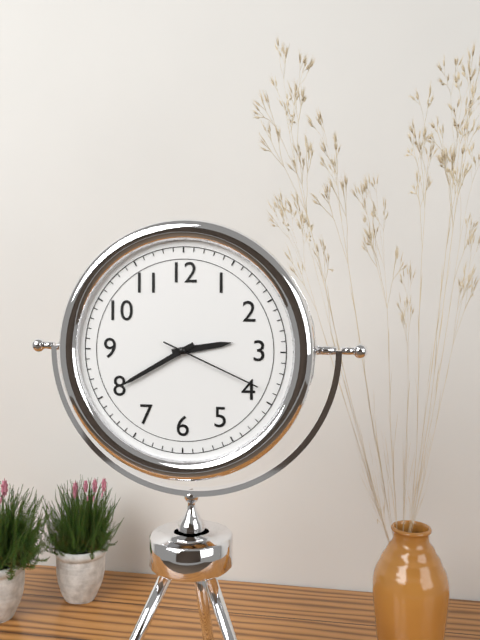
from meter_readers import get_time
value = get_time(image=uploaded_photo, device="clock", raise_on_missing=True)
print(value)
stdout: 2:40:19
